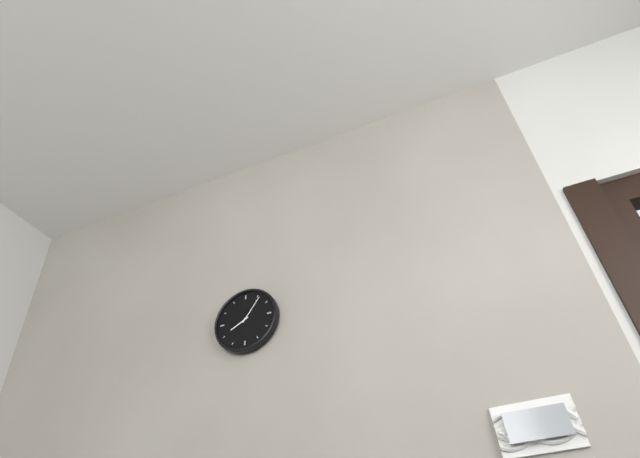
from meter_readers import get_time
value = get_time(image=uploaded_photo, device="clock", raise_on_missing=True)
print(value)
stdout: 8:06
